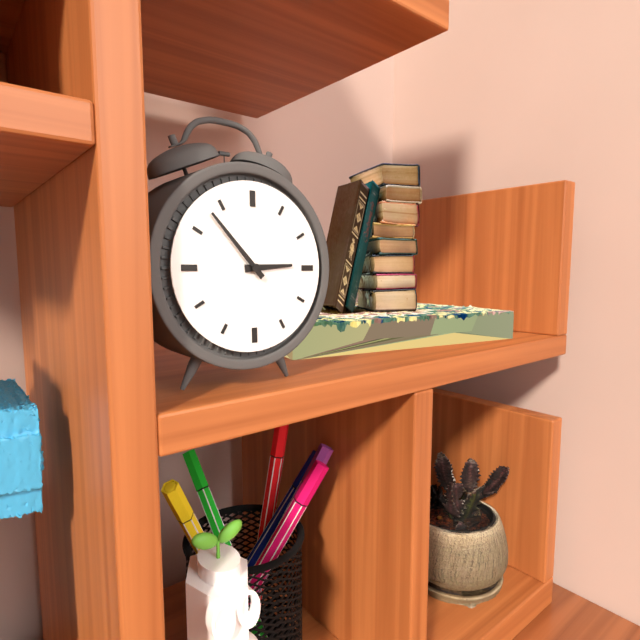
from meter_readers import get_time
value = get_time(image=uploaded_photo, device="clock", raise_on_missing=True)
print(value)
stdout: 2:53
